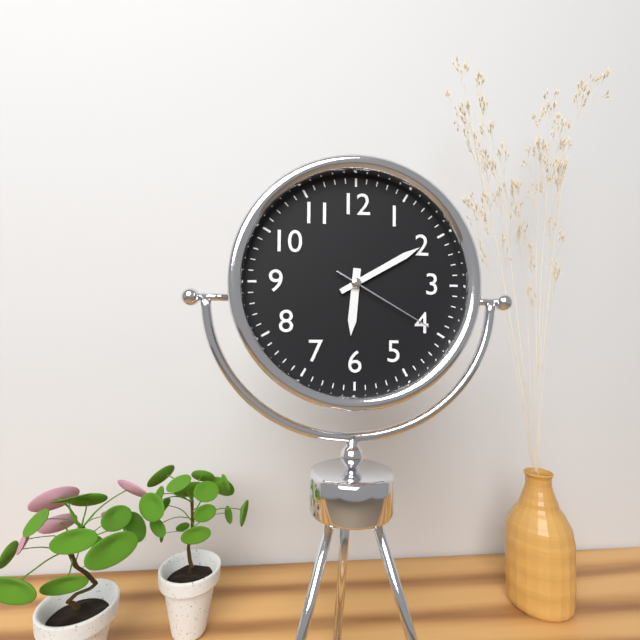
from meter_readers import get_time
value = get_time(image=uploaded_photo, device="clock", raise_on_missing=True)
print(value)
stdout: 6:10:20
